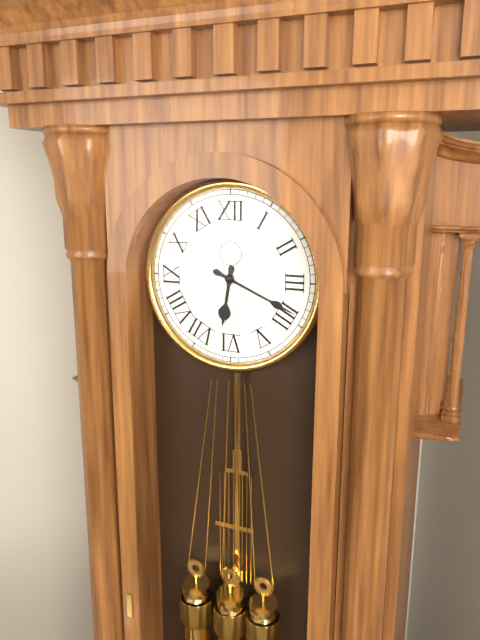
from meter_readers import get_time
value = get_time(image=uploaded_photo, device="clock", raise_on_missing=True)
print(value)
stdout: 6:19
